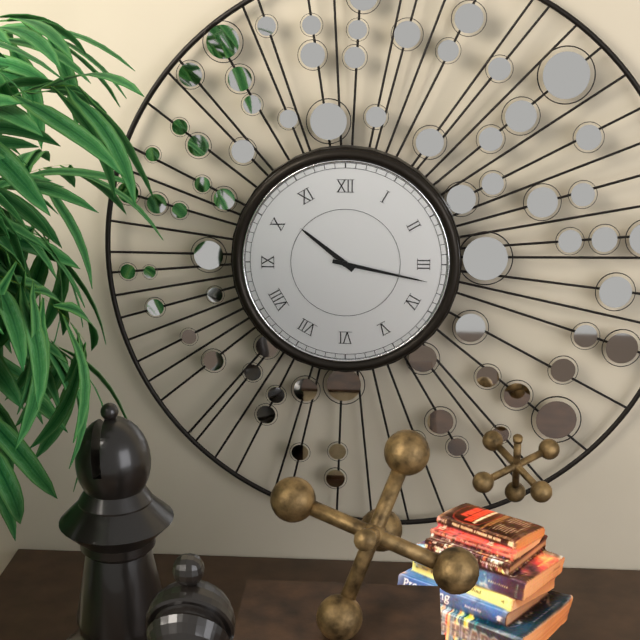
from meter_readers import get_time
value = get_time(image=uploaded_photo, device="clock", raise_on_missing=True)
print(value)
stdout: 10:17
